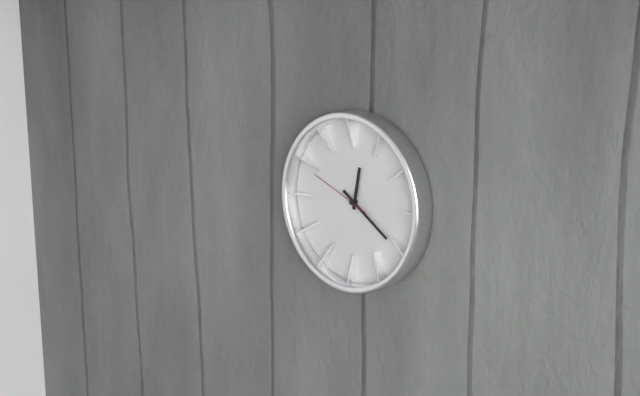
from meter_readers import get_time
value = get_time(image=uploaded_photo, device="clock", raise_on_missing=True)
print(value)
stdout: 12:21:49
